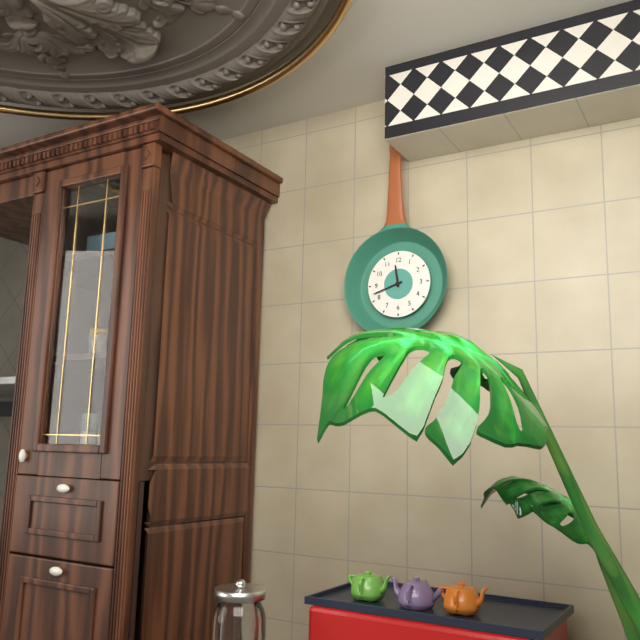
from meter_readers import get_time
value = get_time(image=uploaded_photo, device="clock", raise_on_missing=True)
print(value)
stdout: 11:42
